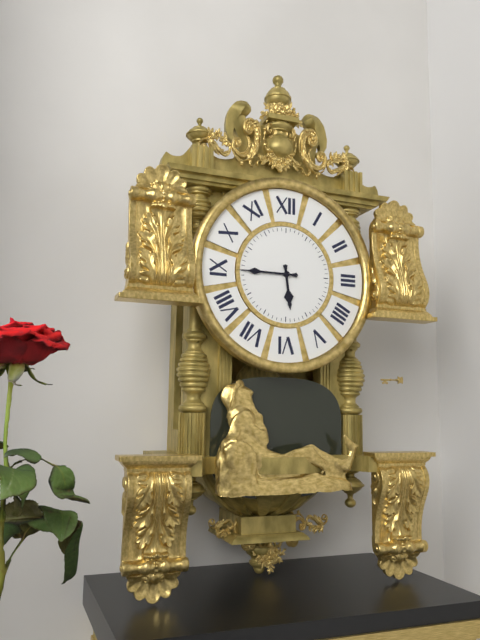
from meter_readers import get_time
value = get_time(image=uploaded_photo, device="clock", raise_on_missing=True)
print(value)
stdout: 5:45
